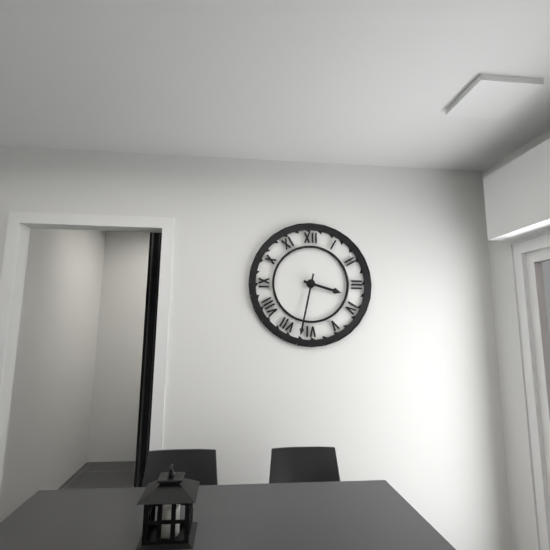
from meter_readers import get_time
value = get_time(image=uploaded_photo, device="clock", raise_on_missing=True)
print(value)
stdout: 3:32
